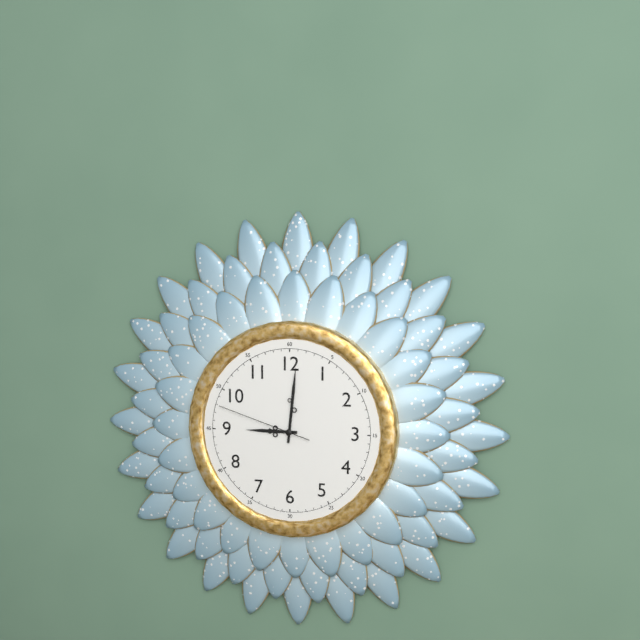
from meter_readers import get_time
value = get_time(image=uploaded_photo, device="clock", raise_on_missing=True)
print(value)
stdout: 9:01:48
